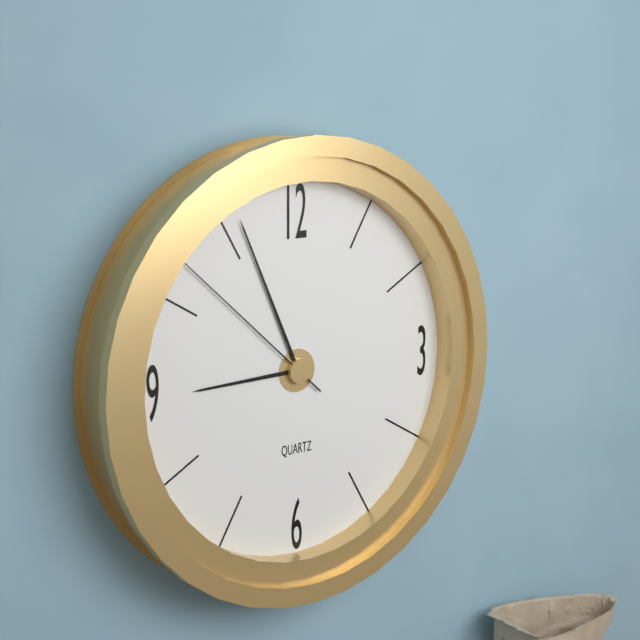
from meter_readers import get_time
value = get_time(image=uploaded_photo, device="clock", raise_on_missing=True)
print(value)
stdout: 8:56:52
